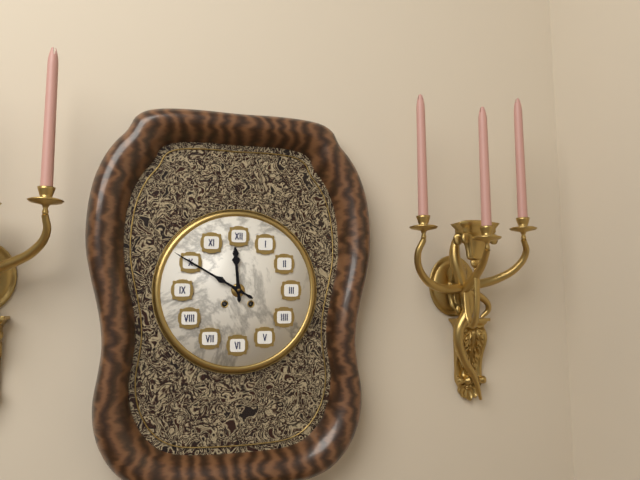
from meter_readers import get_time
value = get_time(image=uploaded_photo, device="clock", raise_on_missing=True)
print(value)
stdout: 11:50
